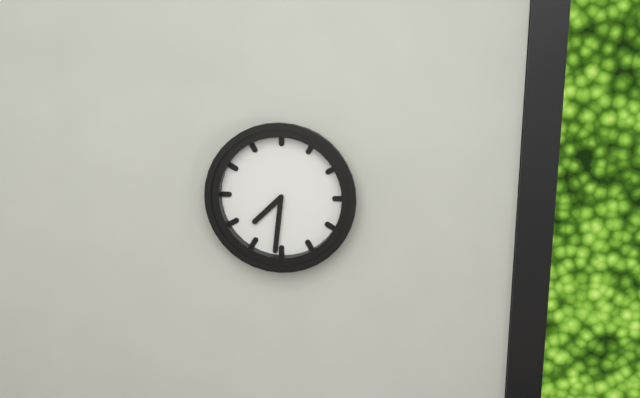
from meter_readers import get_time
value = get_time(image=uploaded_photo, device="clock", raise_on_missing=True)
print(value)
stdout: 7:31
